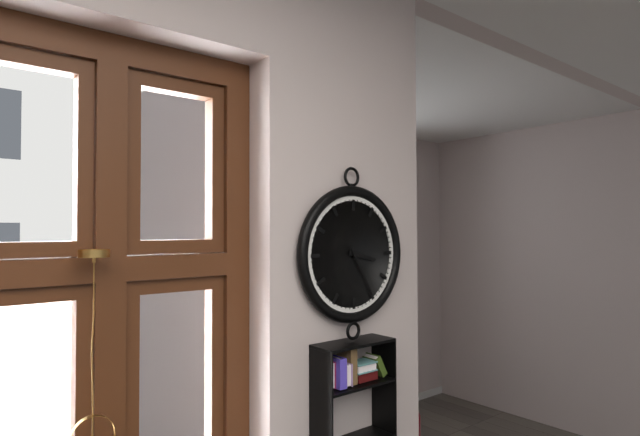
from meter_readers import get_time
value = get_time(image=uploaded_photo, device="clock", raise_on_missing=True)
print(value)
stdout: 3:25
